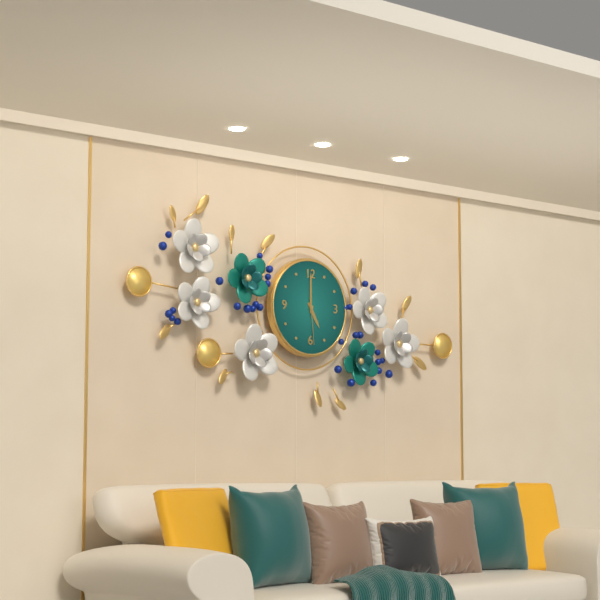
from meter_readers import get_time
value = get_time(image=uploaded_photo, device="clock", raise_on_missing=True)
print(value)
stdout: 5:00
